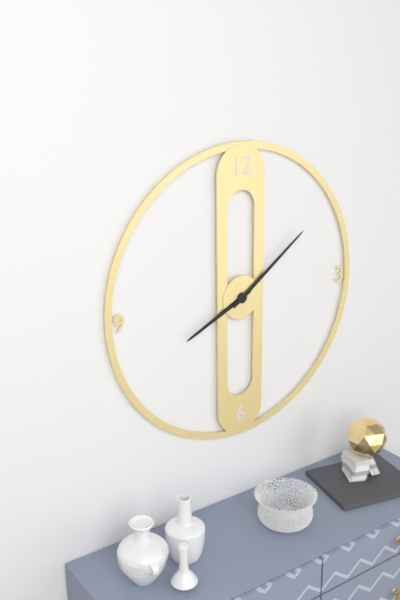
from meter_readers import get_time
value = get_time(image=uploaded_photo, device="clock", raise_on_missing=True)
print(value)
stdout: 8:09
